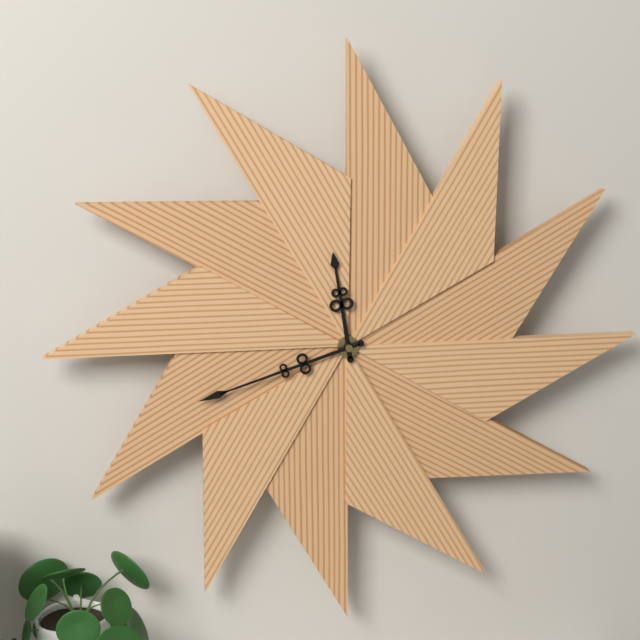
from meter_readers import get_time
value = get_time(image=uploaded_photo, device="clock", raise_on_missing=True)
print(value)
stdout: 11:42
